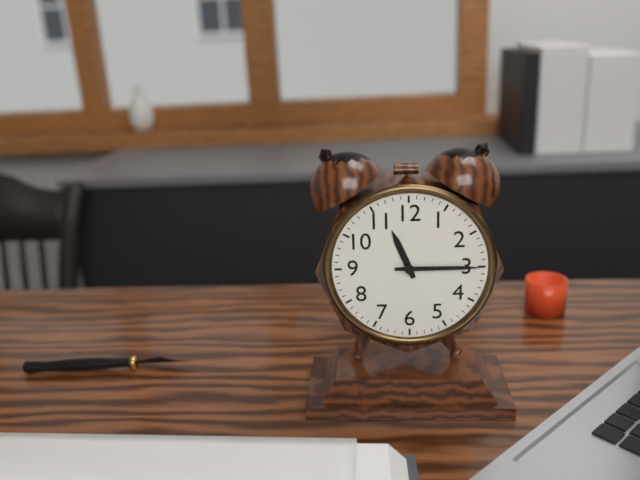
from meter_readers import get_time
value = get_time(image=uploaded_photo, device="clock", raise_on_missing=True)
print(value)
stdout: 11:15
